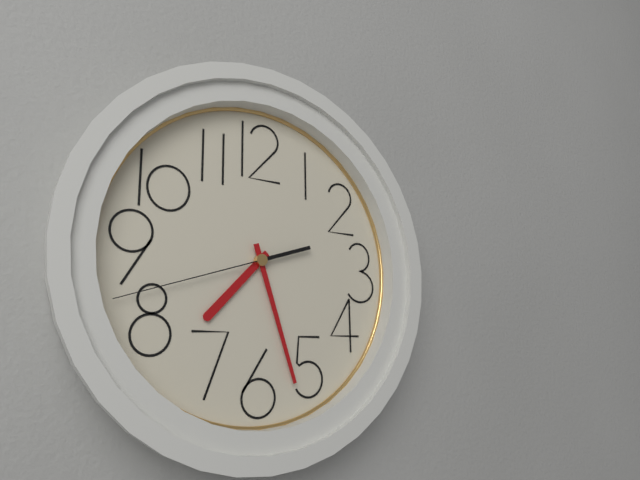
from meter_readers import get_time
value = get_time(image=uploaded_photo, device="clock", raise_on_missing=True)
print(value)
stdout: 7:27:42
